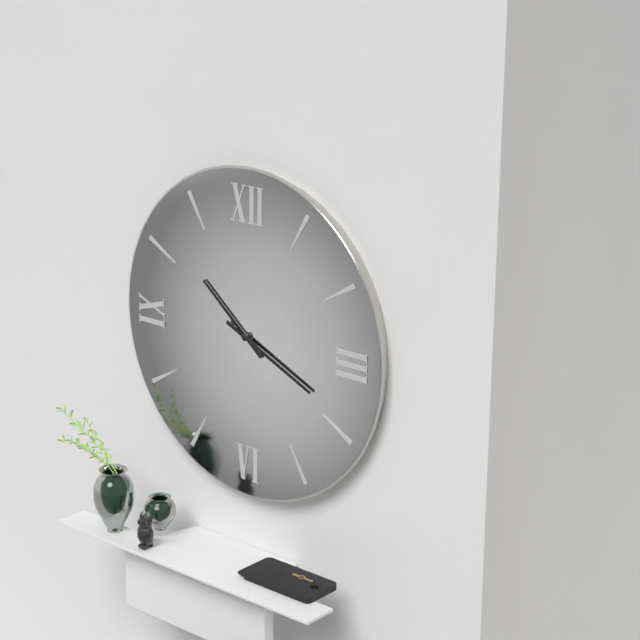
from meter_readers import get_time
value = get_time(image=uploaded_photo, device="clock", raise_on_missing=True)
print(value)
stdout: 10:19
